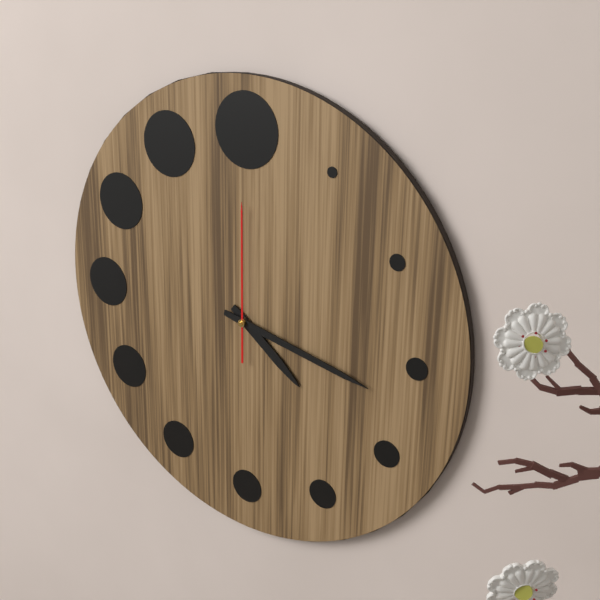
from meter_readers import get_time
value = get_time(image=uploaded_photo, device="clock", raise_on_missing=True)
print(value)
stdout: 4:17:00
